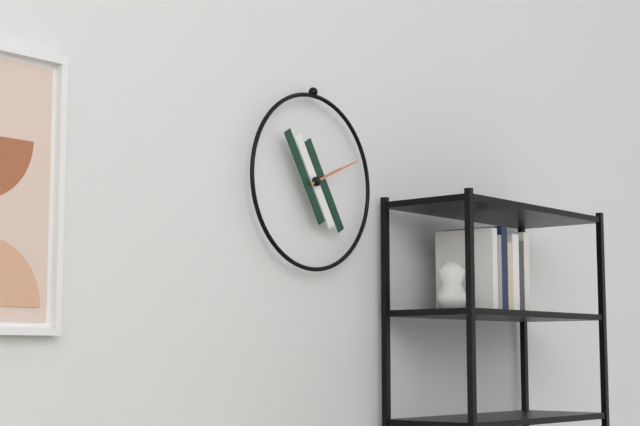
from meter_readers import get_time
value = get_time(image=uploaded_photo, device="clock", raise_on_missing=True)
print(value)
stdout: 2:11
